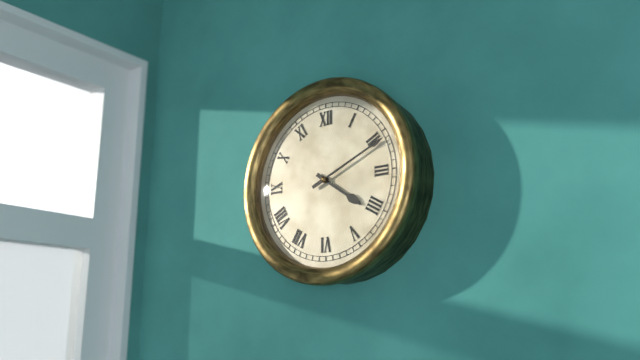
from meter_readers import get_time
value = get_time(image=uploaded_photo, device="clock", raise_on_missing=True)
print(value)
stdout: 4:11
